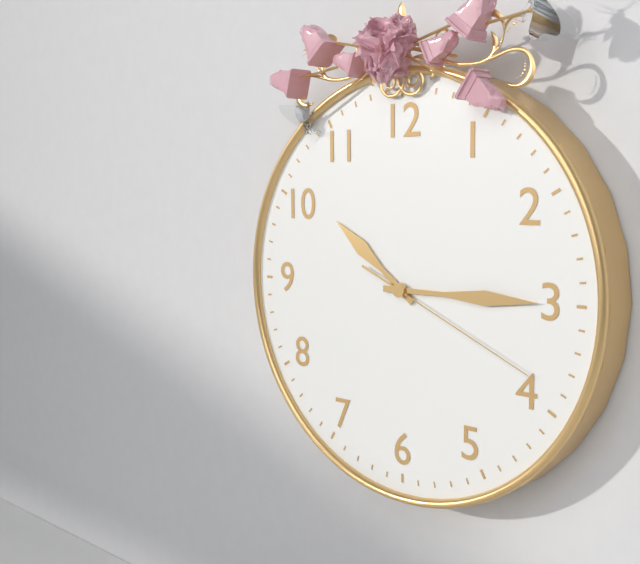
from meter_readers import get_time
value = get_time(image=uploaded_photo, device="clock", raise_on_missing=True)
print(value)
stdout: 10:15:19
